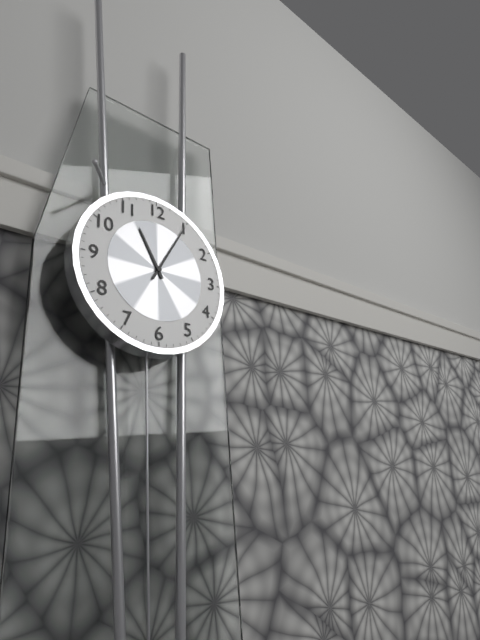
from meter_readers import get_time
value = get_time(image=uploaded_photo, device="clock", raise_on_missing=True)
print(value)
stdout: 11:05
